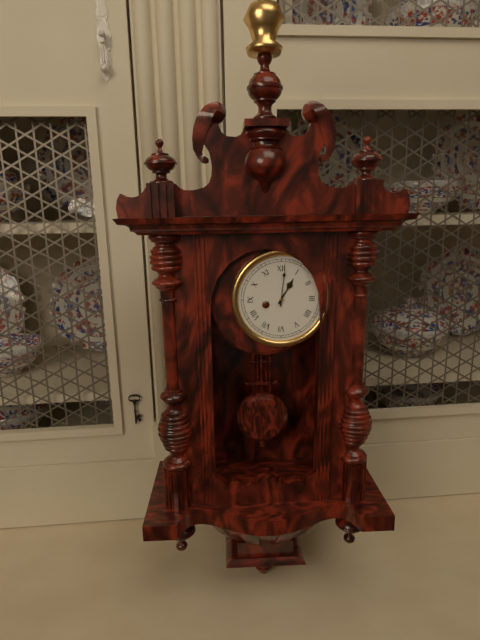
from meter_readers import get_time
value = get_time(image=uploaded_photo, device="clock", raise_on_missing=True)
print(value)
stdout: 1:01
